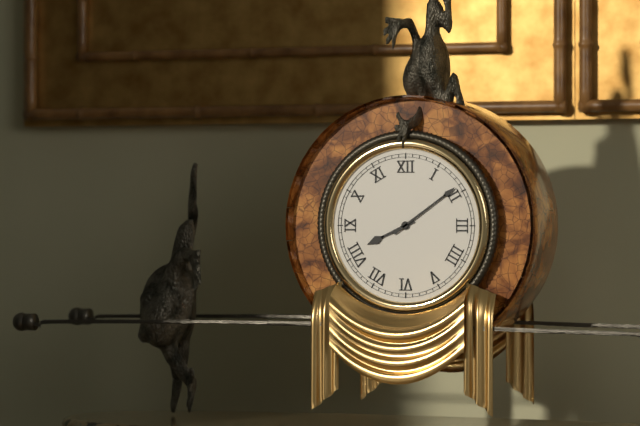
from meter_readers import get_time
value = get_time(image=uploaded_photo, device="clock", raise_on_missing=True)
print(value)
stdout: 8:09
